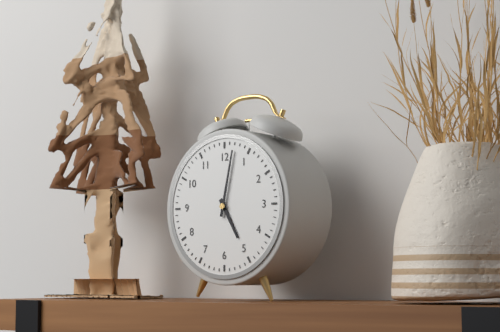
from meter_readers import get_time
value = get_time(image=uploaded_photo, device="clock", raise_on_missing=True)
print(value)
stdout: 5:02
